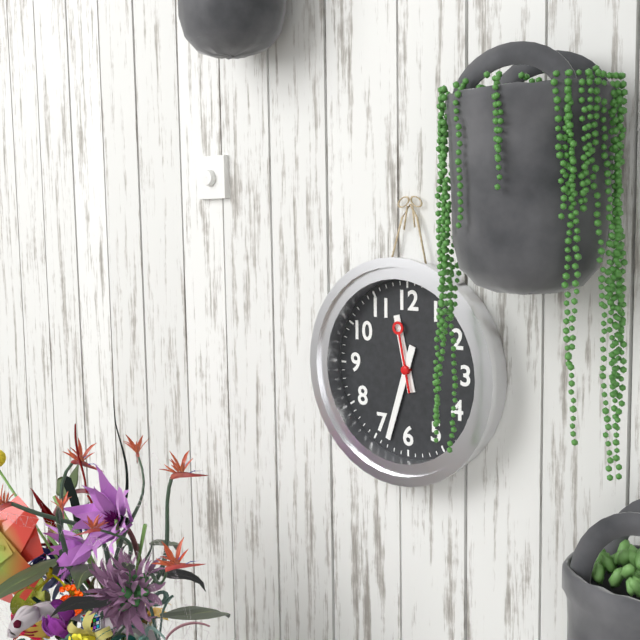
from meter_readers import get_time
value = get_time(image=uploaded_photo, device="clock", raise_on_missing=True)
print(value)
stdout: 11:33:58
